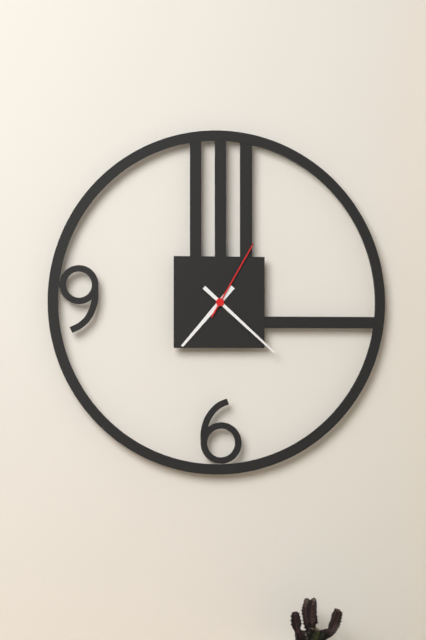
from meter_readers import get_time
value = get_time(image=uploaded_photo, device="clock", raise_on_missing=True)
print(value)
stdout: 7:22:05
